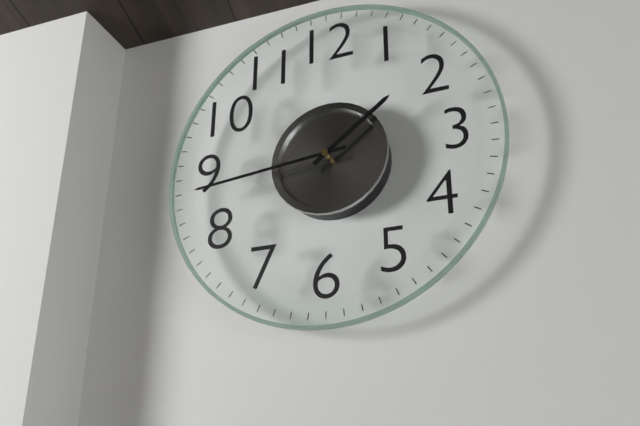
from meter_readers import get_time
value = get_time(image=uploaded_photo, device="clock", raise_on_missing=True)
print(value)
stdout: 1:44
